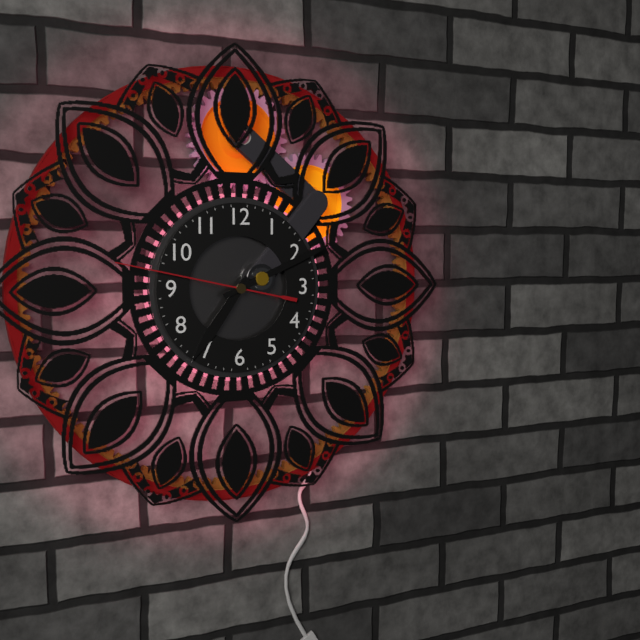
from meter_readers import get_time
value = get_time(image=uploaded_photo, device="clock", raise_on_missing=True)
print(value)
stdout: 7:11:47
